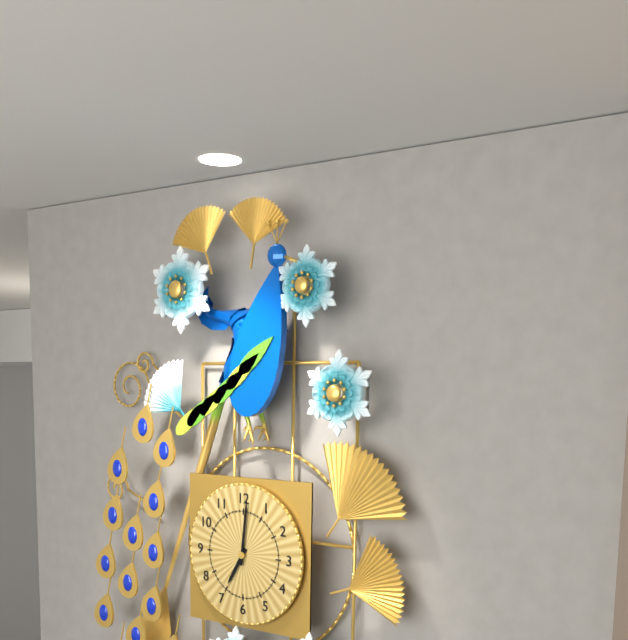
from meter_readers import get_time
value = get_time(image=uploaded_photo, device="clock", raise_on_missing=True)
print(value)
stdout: 7:01
